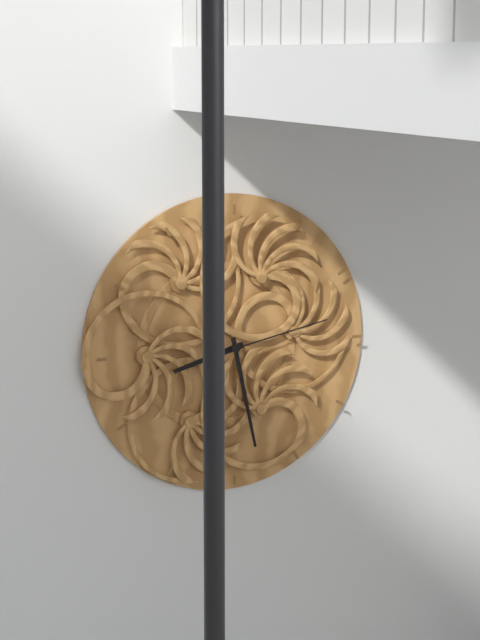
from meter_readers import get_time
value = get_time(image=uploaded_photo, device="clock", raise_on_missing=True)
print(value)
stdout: 8:28:13
